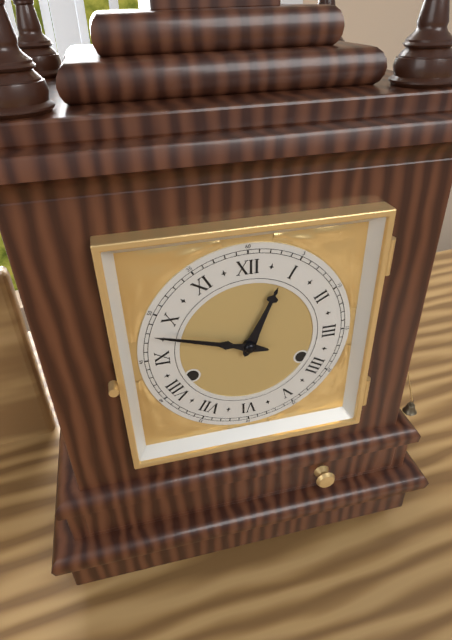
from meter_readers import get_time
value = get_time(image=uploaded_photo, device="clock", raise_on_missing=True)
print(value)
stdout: 12:48
